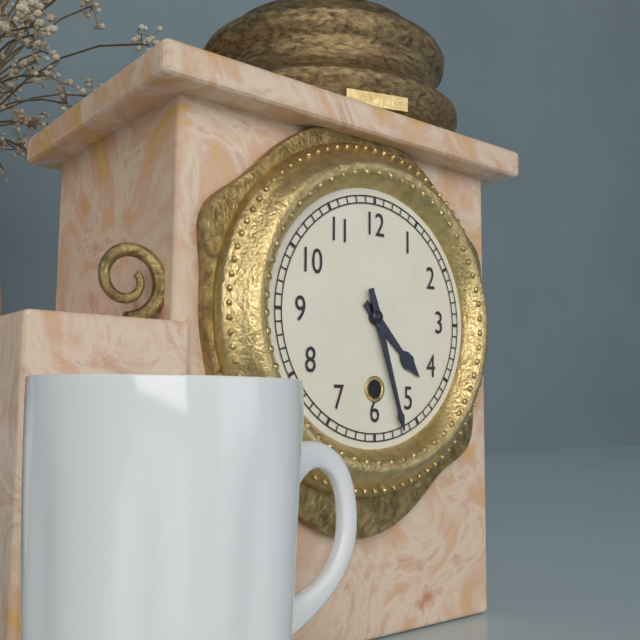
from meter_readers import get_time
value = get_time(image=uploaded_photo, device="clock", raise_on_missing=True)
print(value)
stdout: 4:27
